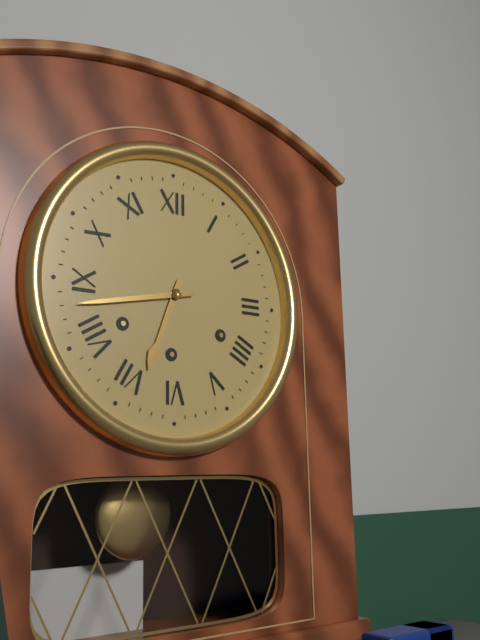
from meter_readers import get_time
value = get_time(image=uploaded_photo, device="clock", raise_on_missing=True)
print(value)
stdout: 6:43
